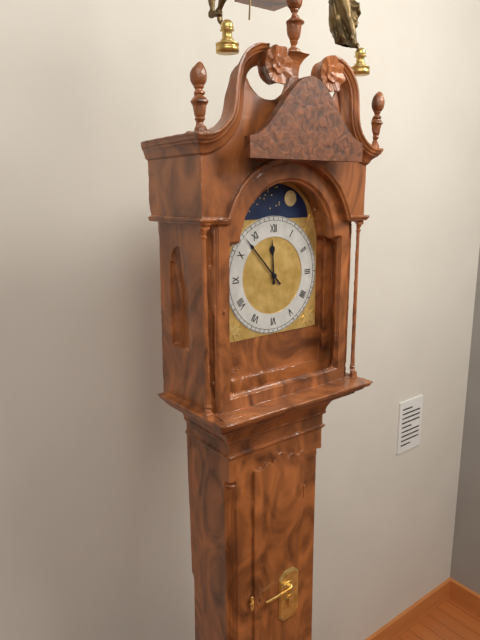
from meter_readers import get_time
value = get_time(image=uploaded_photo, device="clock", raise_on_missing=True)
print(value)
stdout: 11:53
